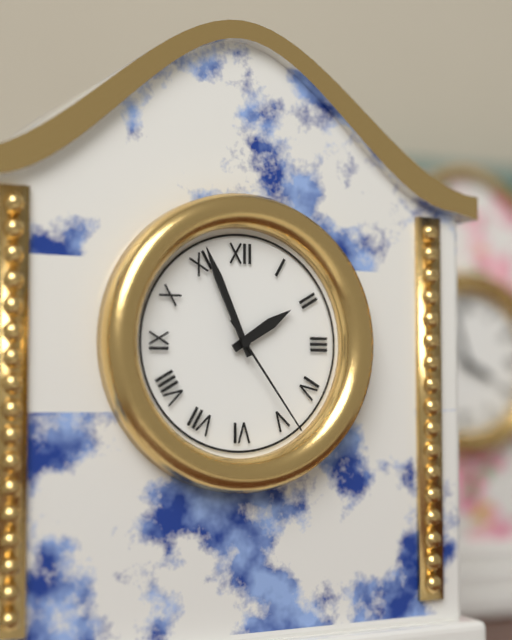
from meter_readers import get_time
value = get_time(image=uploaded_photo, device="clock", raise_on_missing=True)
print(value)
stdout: 1:56:24
